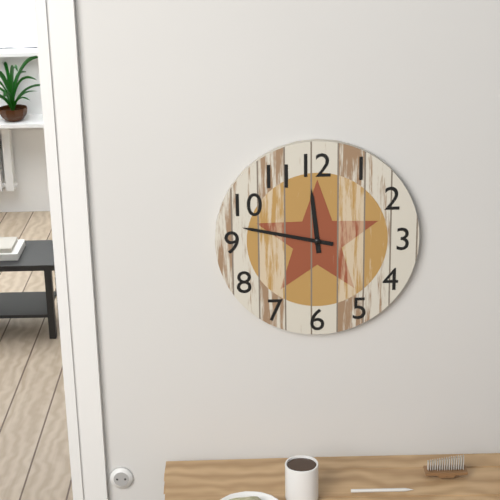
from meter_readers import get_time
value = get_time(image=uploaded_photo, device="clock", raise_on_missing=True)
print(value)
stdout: 11:47
